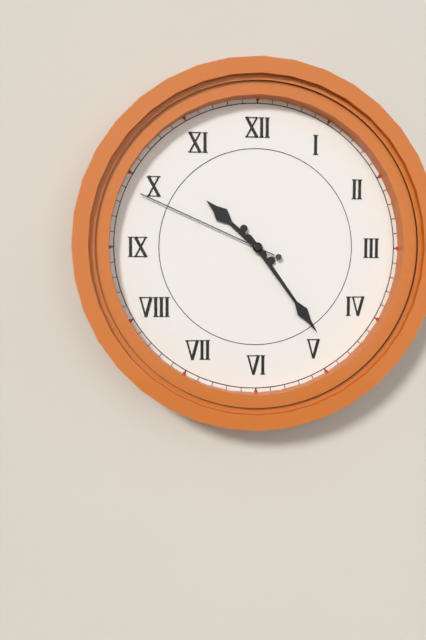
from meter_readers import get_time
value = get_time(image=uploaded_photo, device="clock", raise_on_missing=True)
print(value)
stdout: 10:24:49
